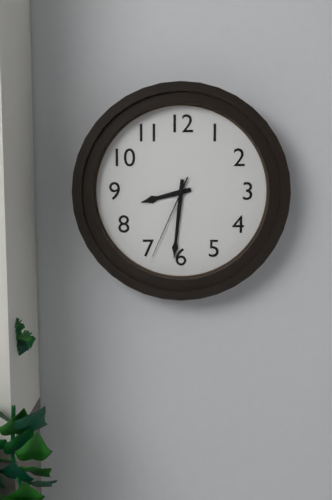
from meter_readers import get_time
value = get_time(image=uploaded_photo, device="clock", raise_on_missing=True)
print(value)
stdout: 8:31:34
